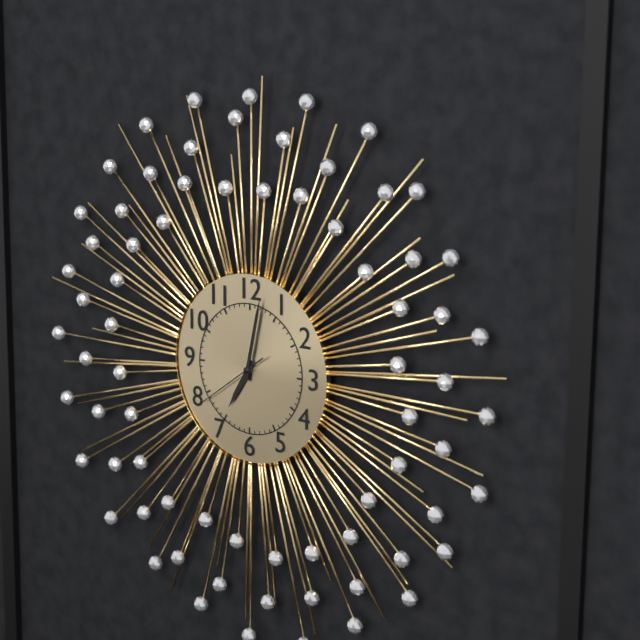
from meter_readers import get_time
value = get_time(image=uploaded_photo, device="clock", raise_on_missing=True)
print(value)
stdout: 7:02:39
